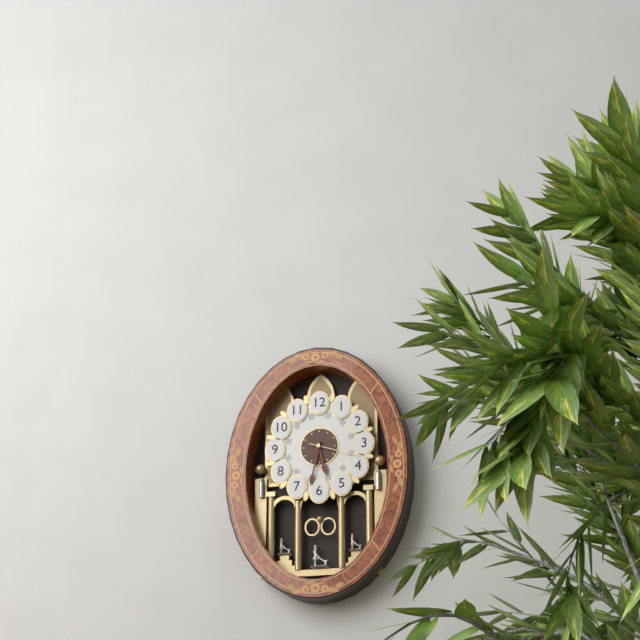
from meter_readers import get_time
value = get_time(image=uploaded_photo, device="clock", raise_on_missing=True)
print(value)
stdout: 5:32:18
